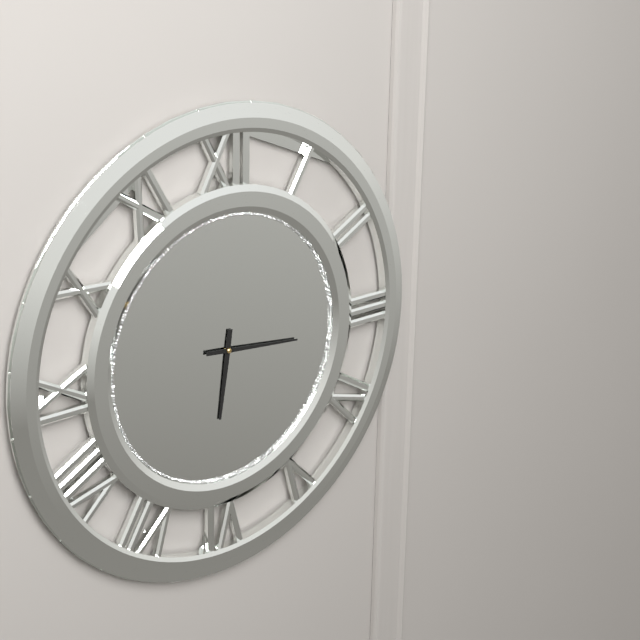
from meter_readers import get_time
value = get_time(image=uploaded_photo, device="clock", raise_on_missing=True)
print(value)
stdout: 6:16
